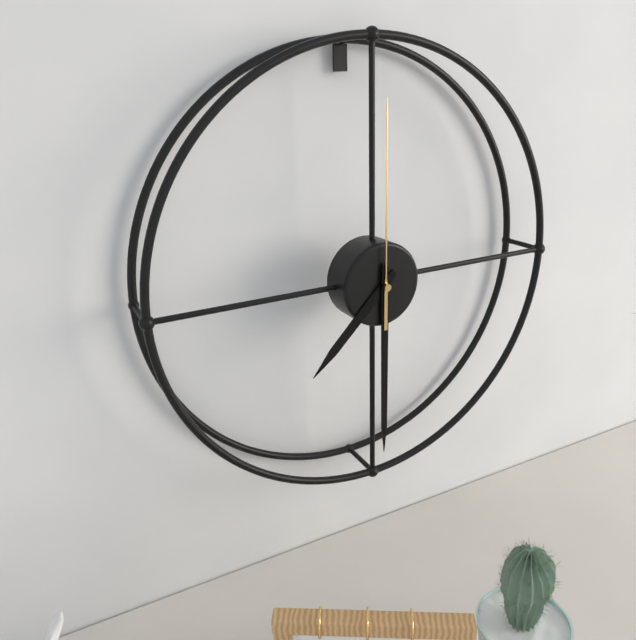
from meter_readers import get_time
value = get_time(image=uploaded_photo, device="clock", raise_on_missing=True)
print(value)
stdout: 7:30:00
